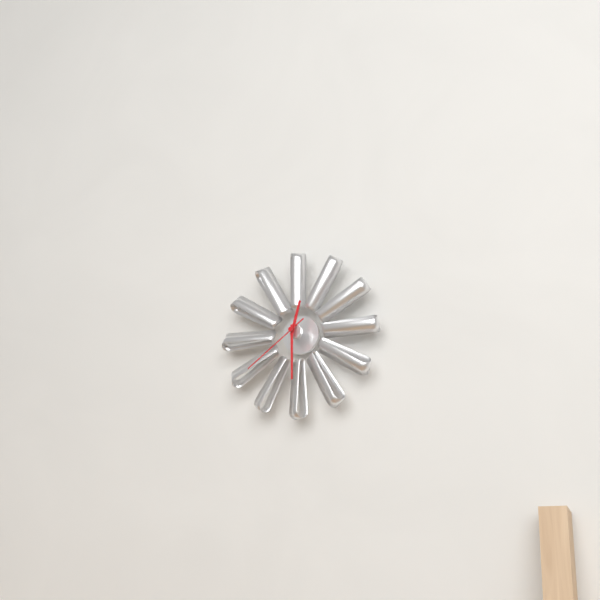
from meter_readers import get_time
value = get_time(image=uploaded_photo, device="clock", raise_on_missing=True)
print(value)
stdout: 12:30:39
